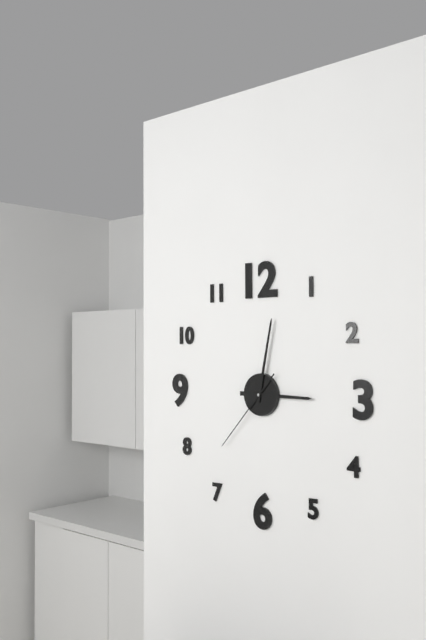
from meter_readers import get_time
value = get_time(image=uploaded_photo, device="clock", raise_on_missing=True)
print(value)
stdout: 3:02:37
